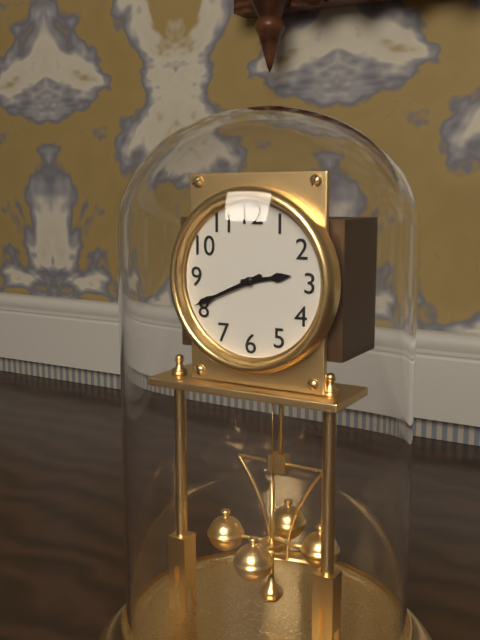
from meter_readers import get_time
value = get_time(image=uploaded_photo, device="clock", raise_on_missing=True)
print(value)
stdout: 2:41
